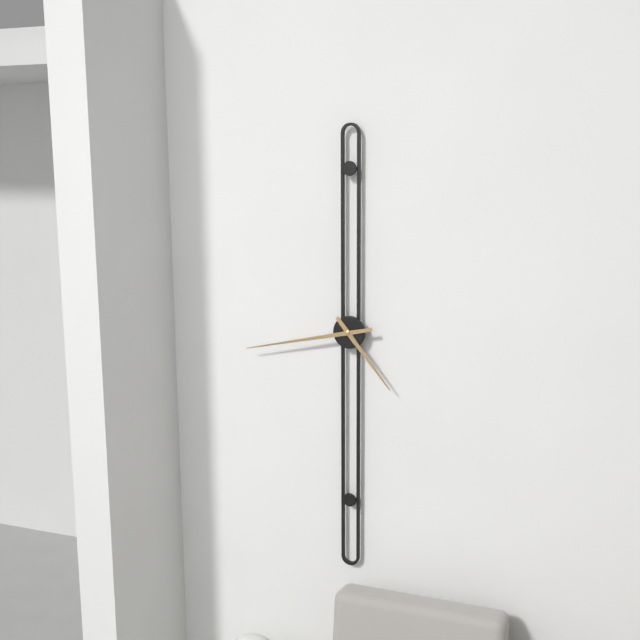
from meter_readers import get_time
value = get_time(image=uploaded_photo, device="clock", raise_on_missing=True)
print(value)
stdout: 4:43
